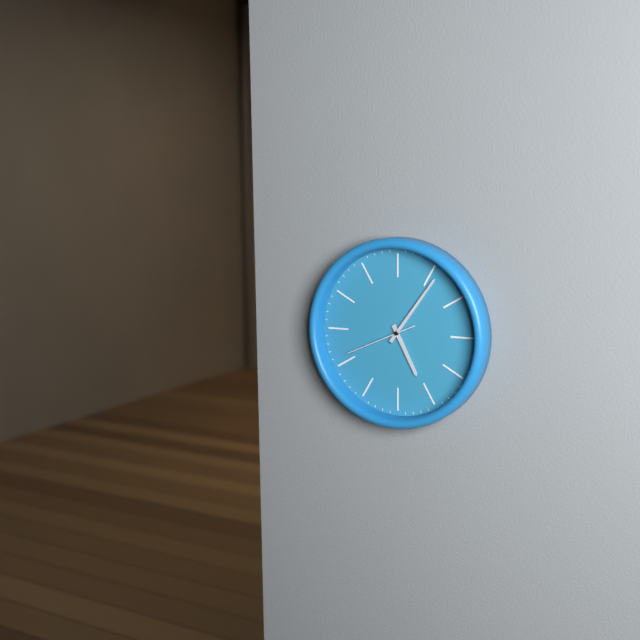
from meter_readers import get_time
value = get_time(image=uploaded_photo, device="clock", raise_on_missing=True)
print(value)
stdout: 5:06:41
